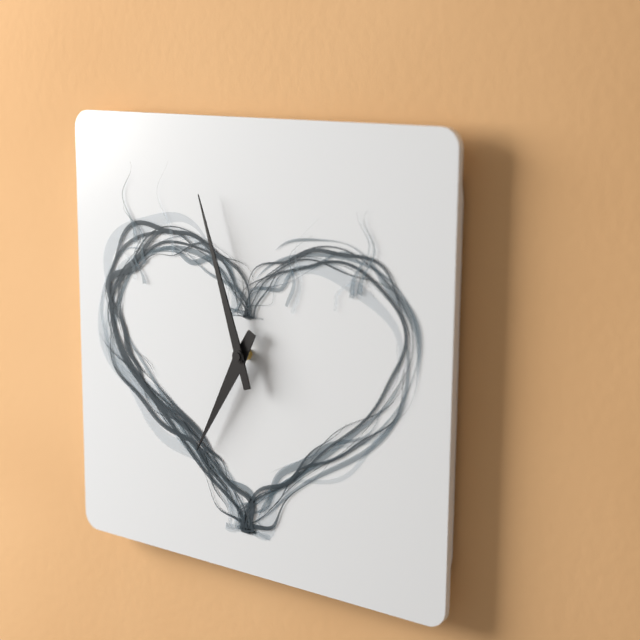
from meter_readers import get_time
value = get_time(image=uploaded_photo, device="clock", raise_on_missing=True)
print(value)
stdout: 6:57
